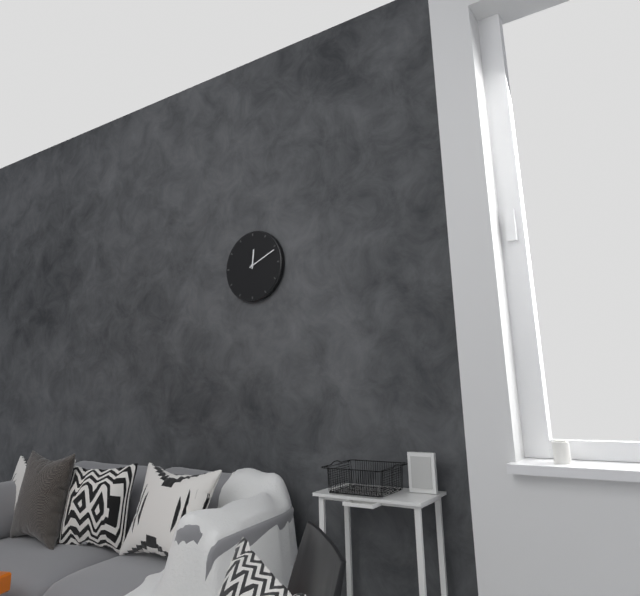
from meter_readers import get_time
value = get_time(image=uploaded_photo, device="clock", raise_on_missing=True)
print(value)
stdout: 12:11
